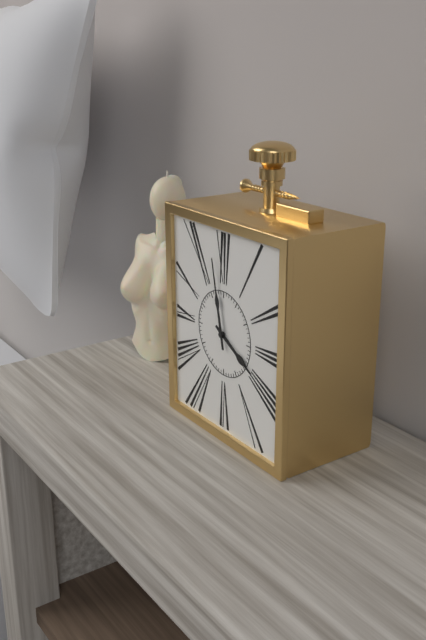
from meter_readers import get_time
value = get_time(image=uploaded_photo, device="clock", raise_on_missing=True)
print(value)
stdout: 3:58
